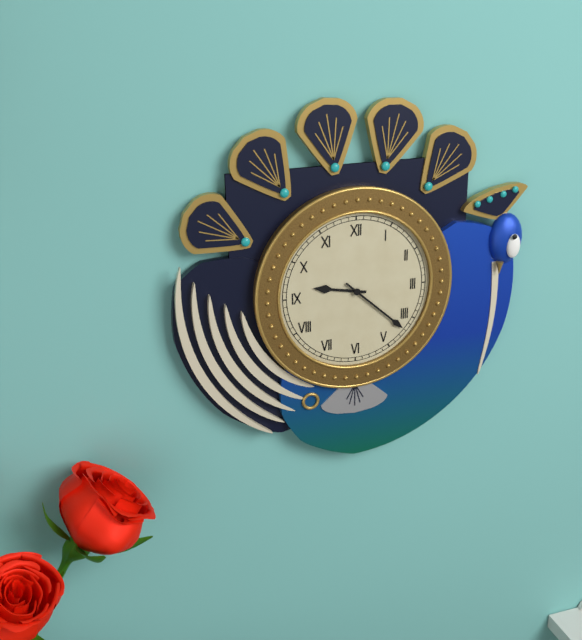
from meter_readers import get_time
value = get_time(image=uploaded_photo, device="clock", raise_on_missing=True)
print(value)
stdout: 9:22
